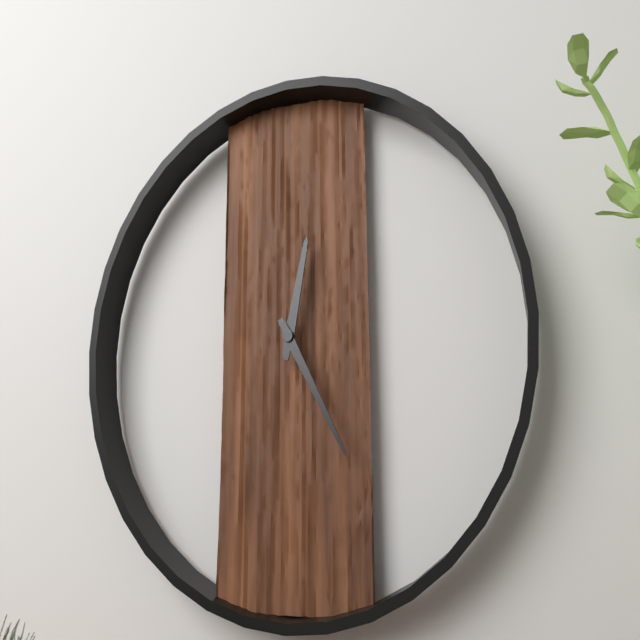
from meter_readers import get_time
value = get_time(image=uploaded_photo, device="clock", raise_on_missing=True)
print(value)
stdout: 12:25
